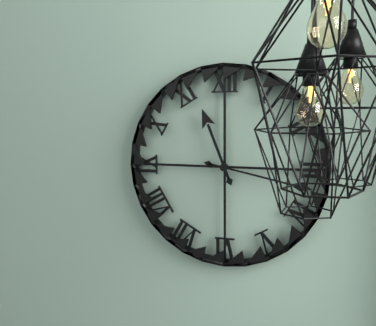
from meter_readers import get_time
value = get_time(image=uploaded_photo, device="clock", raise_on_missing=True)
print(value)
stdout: 11:17
